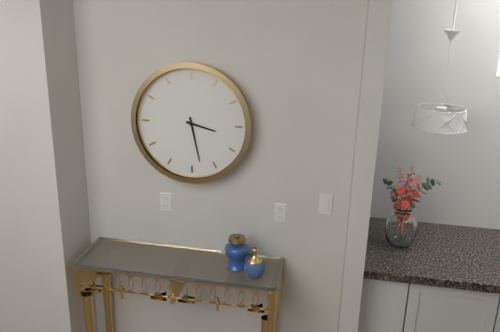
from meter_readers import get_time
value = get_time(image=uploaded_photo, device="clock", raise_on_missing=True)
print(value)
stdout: 3:28
